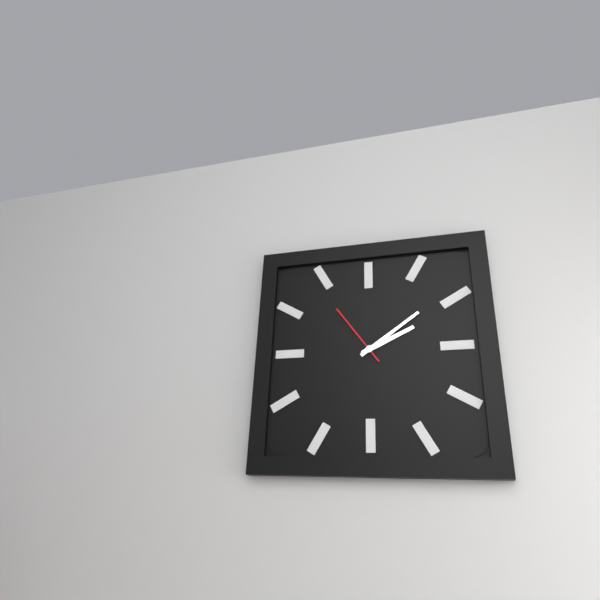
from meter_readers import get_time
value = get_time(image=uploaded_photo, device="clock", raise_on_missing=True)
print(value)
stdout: 2:09:54
